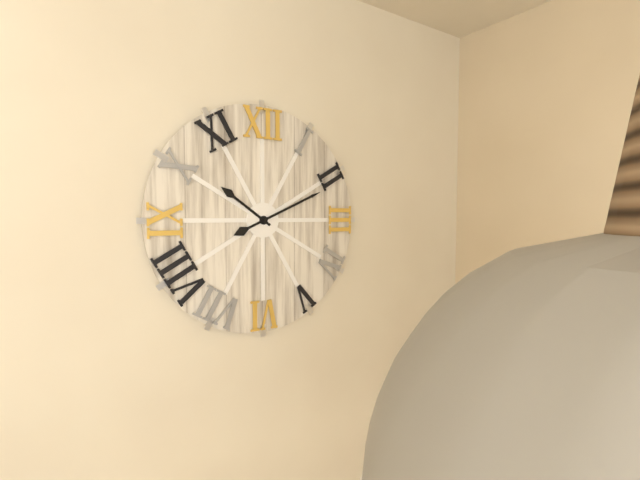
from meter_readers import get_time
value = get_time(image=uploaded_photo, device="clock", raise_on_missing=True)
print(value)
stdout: 10:11
